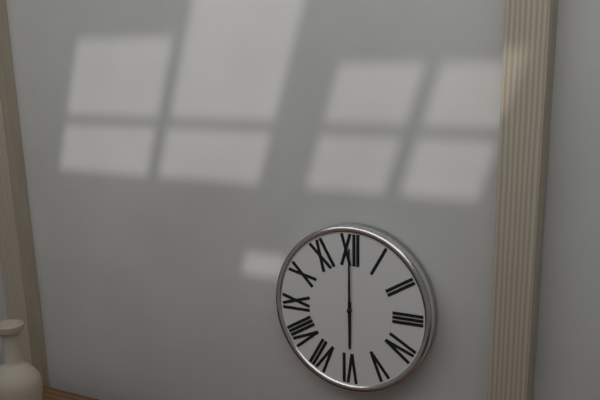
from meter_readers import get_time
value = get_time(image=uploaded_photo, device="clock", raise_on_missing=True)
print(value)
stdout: 6:00
